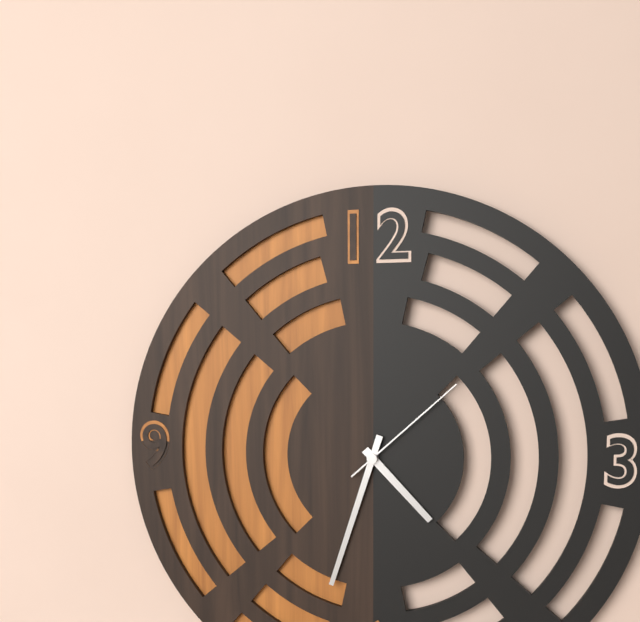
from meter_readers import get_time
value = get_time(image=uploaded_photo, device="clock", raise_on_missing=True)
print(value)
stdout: 4:33:08
